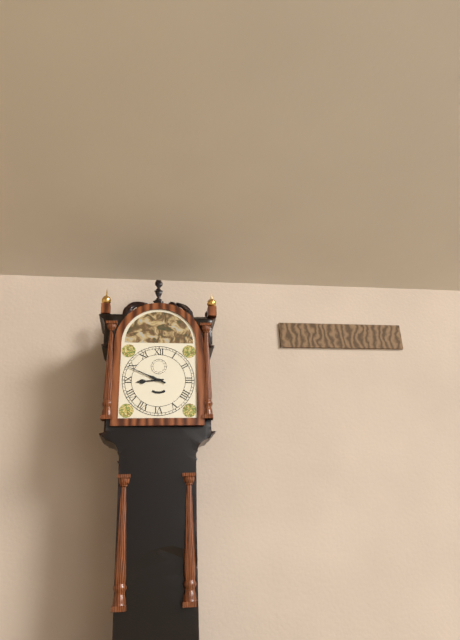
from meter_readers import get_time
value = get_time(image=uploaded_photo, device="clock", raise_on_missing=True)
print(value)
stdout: 8:49
